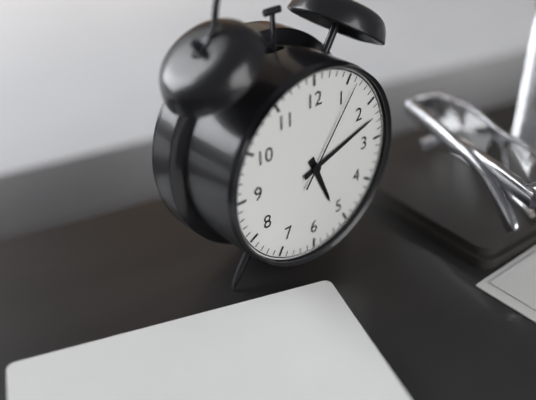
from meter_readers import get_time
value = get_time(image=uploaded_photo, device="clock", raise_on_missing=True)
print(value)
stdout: 5:12:06
